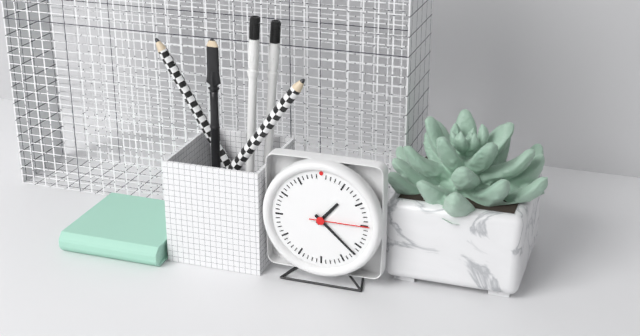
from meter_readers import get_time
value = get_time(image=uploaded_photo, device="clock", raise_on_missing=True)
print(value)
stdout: 1:22:15
